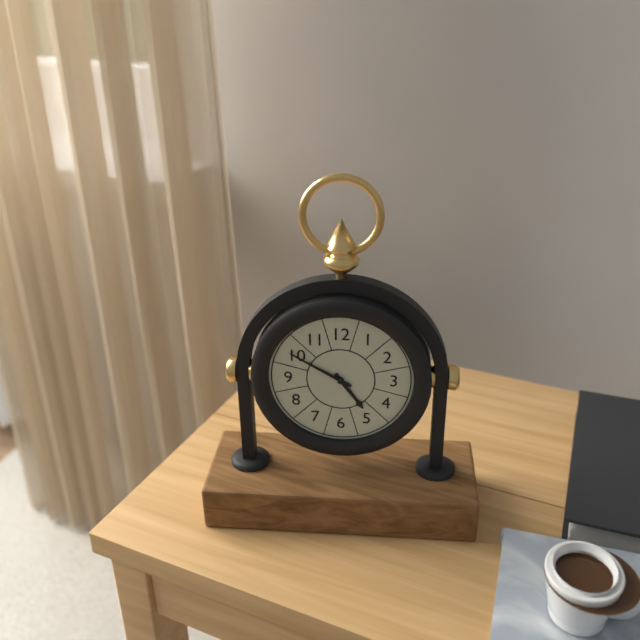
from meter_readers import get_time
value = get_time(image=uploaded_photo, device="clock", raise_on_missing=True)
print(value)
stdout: 4:50
